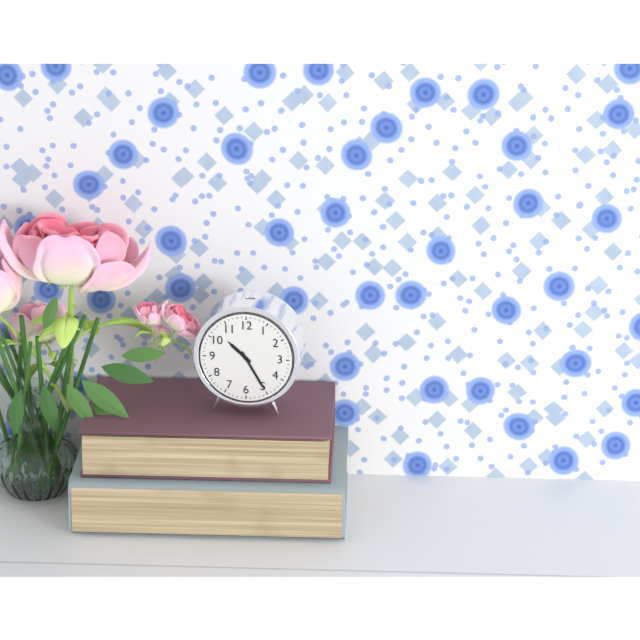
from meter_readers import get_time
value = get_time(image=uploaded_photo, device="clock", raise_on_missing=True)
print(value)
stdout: 10:25
